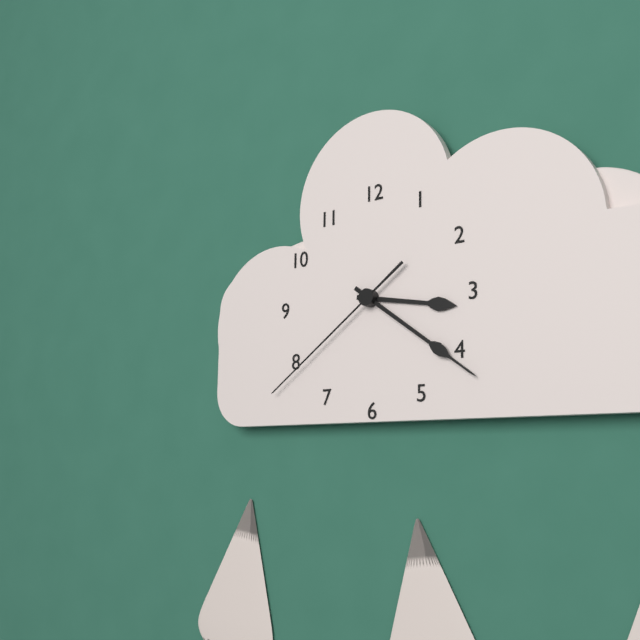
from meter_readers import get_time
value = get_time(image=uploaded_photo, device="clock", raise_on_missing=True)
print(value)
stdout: 3:21:39
